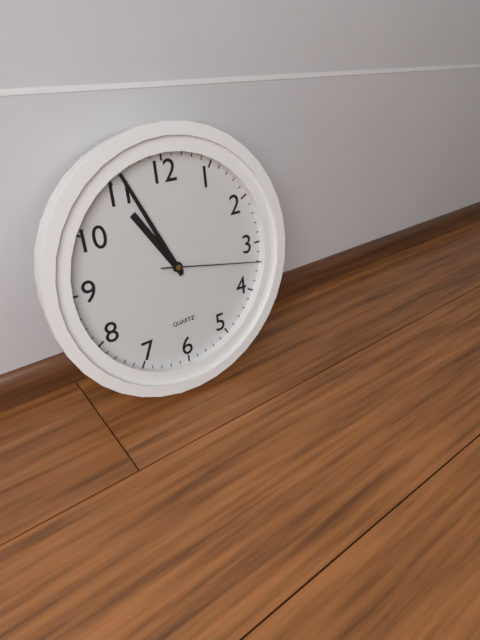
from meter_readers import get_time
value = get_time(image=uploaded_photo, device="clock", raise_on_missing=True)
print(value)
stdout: 10:56:17
